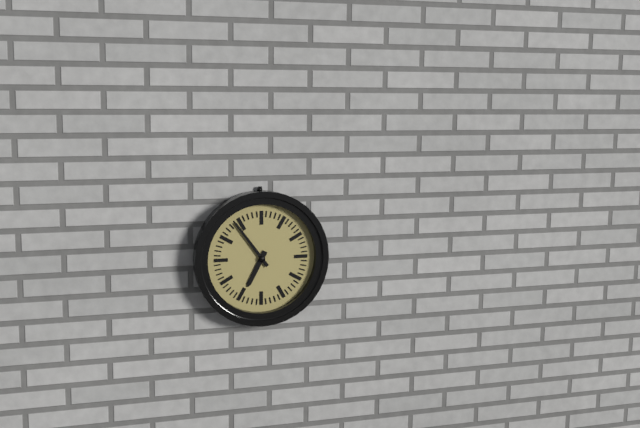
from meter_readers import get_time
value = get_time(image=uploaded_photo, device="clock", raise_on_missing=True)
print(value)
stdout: 6:54
